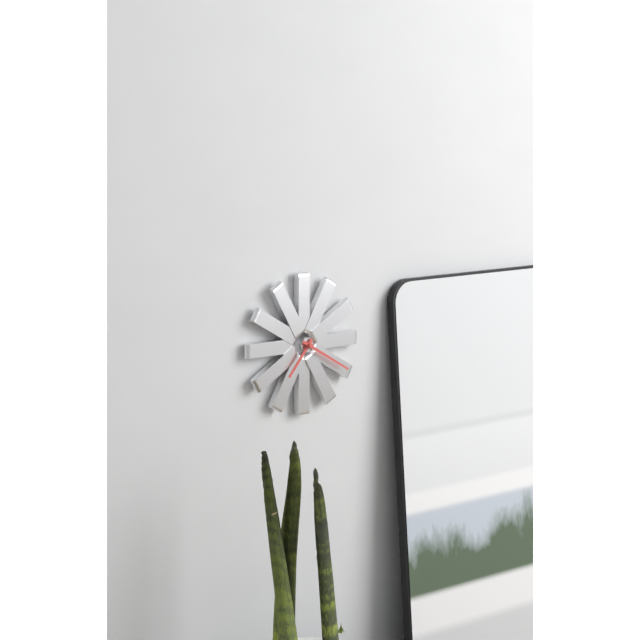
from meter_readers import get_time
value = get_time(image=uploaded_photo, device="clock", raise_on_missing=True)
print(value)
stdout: 7:20
